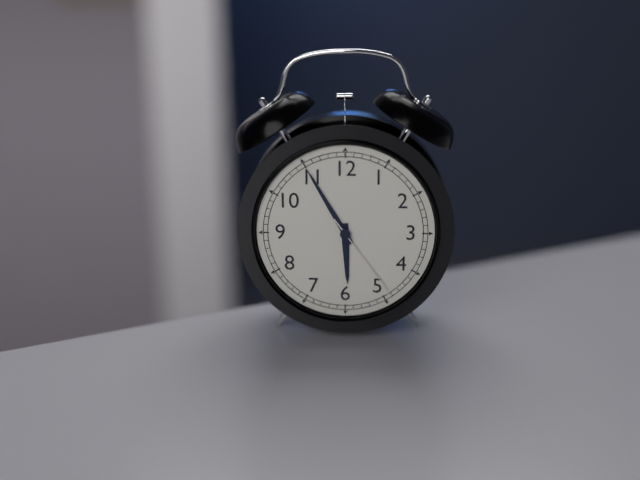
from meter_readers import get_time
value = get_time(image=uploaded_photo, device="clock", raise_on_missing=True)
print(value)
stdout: 5:55:24
